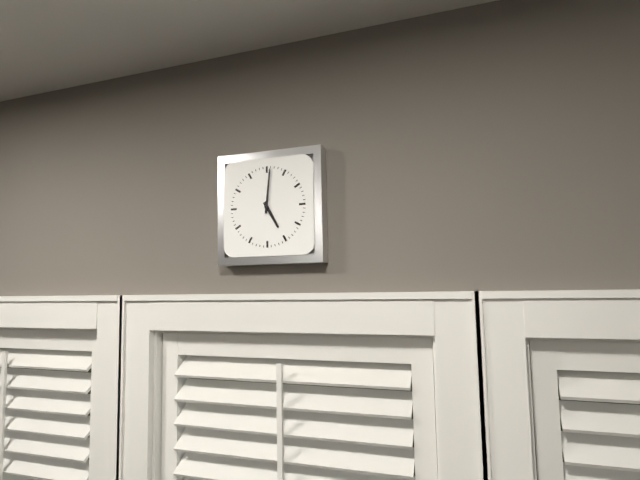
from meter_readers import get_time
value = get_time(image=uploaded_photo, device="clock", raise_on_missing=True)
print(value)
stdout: 5:01
